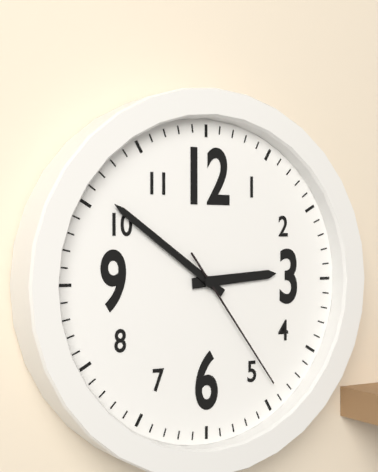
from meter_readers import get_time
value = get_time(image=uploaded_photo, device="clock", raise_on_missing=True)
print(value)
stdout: 2:51:24
